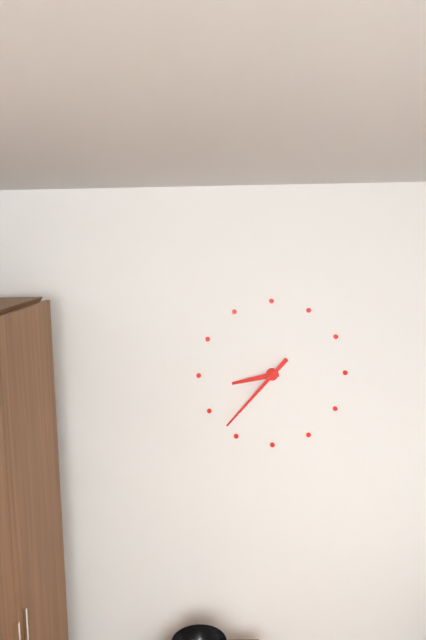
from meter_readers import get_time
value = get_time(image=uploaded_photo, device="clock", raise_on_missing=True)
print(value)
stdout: 8:37
